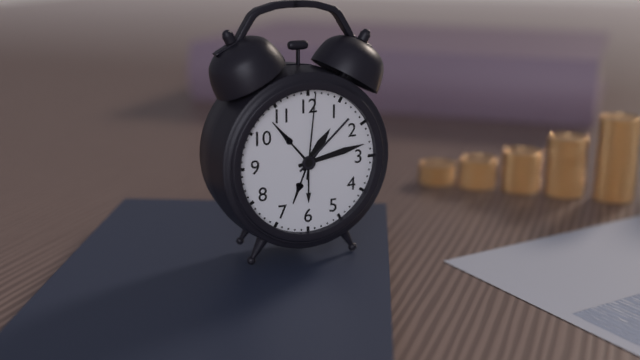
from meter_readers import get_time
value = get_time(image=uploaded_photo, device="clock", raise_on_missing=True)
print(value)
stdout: 1:13:01
